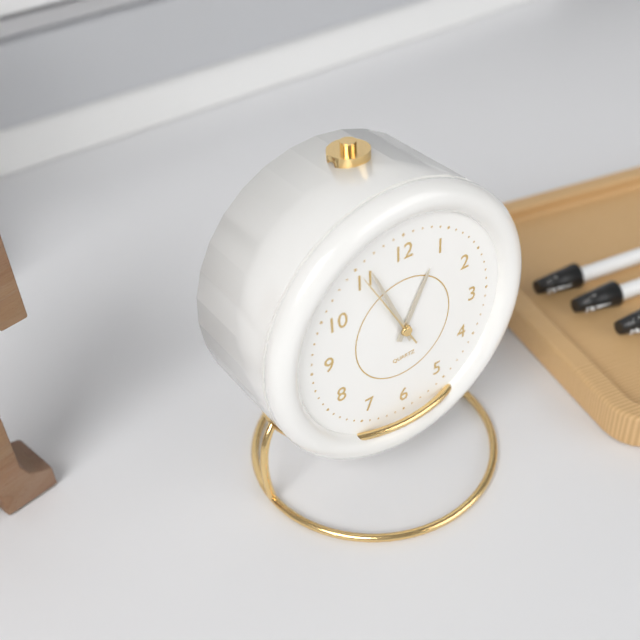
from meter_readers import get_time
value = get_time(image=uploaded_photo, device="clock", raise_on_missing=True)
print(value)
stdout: 12:56:55
